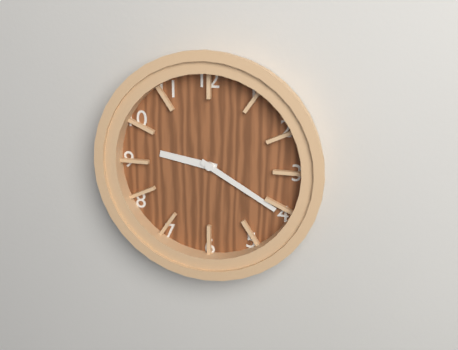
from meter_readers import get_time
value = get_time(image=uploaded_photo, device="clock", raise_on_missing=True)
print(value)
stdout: 9:20
